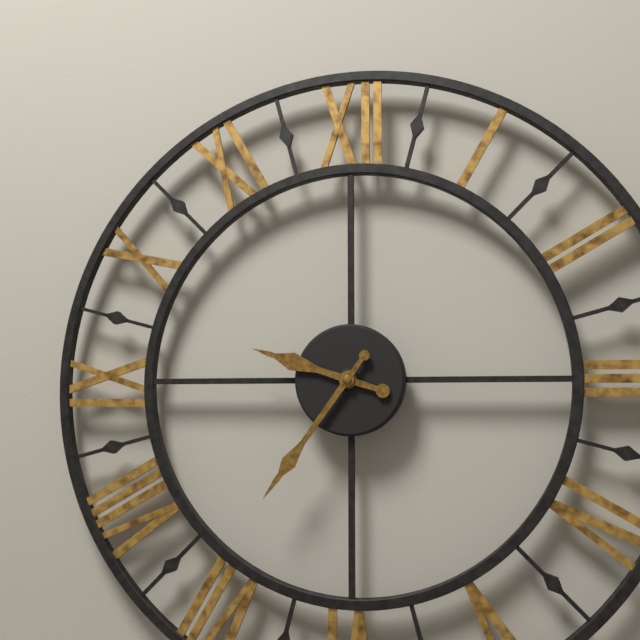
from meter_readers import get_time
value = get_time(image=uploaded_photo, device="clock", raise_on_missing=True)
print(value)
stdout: 9:36
